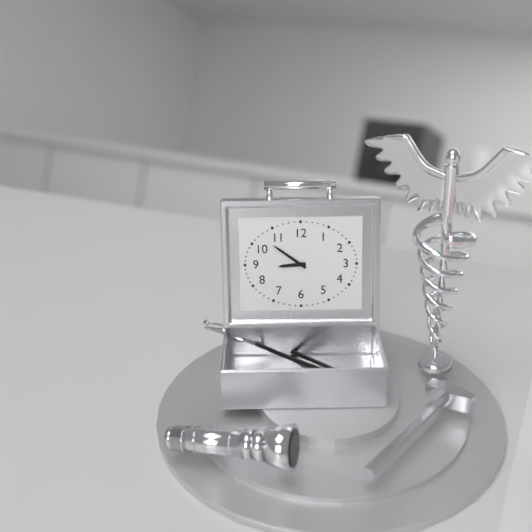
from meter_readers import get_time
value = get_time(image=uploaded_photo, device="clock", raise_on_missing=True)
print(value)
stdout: 8:51
